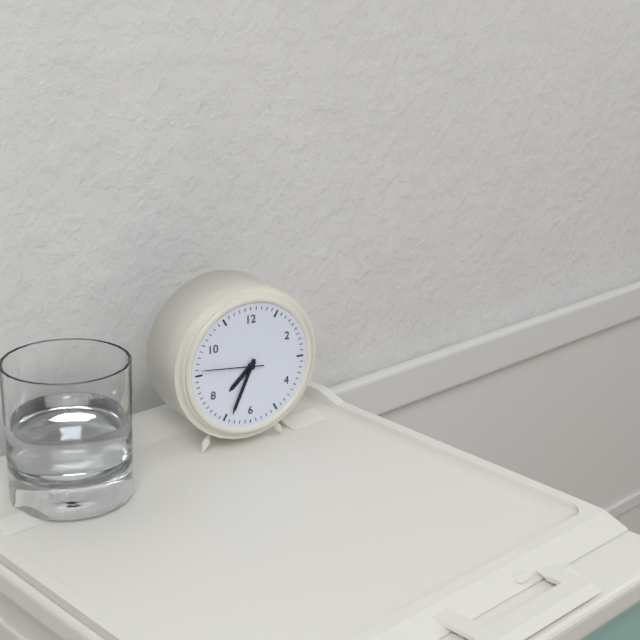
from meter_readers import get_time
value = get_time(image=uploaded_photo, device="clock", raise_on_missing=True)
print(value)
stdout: 7:34:46
